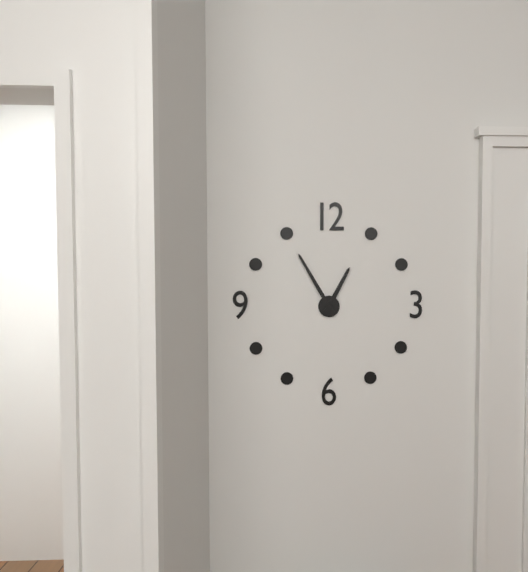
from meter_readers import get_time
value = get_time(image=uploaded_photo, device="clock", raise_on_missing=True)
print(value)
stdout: 12:55
